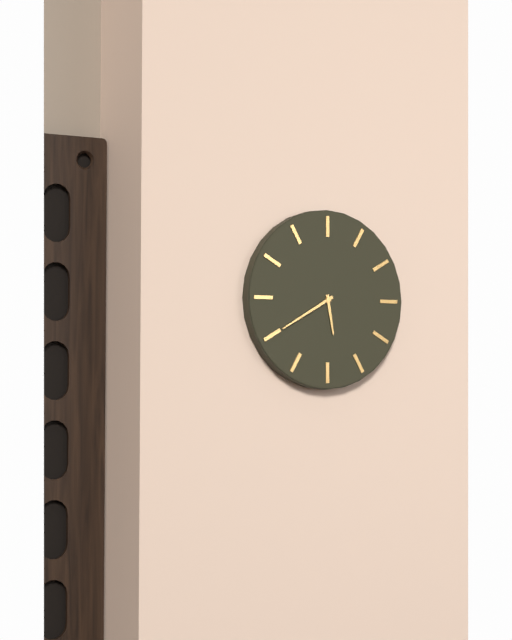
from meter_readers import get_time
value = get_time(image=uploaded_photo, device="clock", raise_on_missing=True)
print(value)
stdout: 5:40
